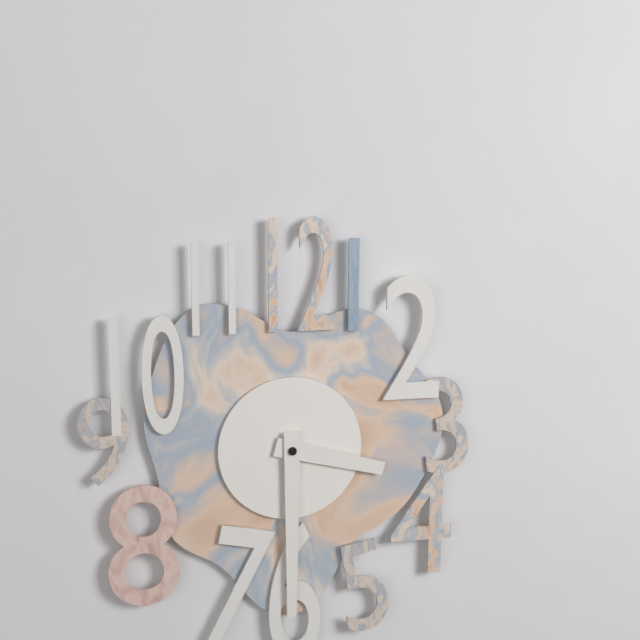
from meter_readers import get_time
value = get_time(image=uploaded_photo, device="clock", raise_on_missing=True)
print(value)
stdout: 3:30
